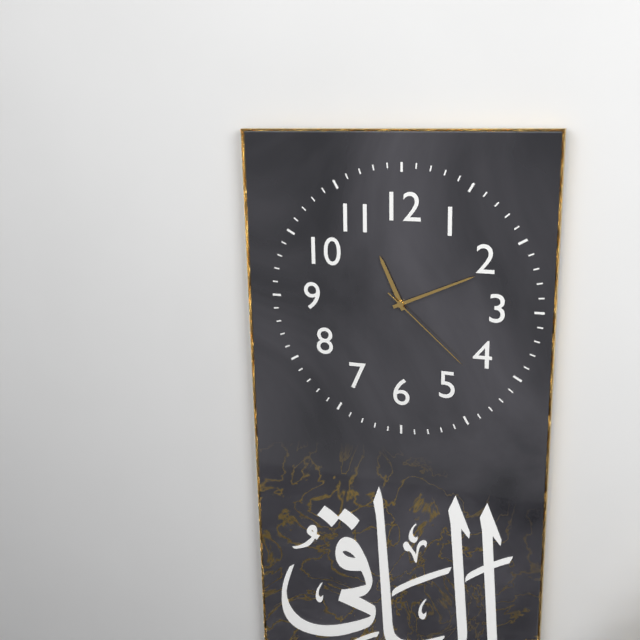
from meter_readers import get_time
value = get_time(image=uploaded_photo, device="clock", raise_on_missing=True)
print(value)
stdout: 11:11:22
